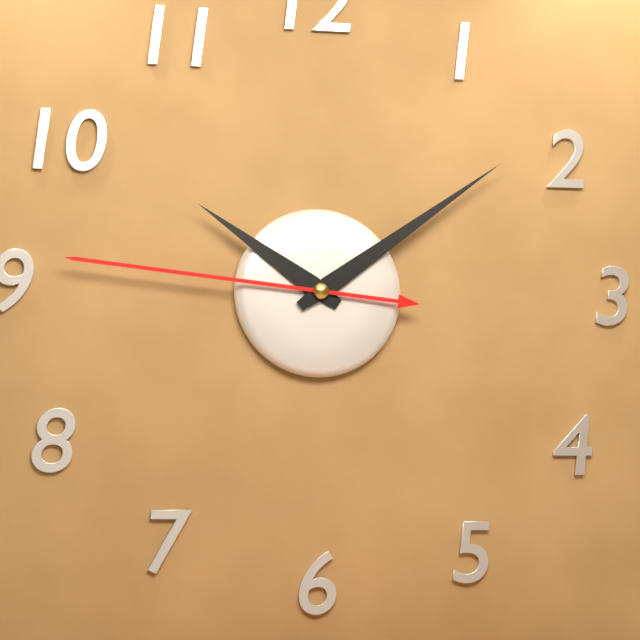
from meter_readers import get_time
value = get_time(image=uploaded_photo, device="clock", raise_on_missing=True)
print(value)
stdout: 10:09:46
